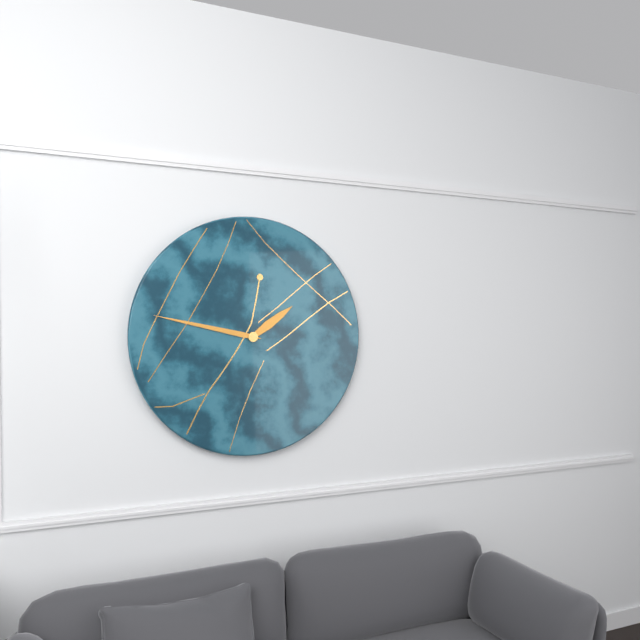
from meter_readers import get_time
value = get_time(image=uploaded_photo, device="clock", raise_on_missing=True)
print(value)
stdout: 1:47
